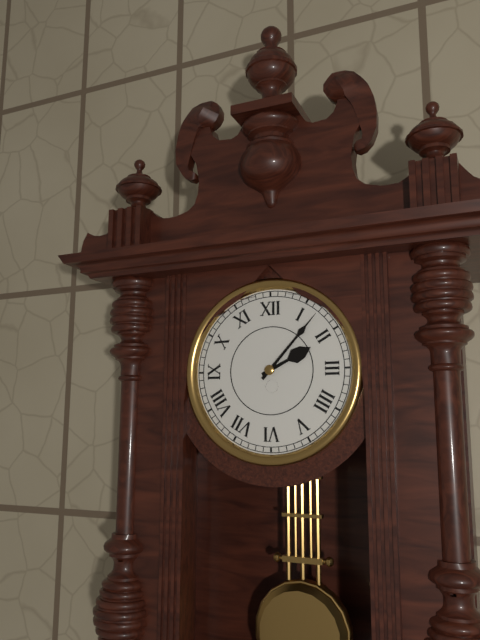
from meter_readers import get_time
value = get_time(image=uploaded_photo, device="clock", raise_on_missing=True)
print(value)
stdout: 2:07
